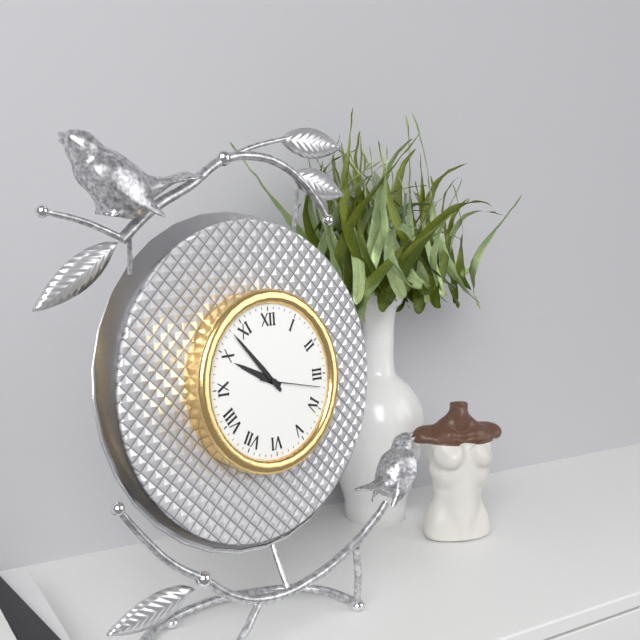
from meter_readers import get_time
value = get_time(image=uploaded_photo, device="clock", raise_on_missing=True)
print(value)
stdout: 9:53:17
